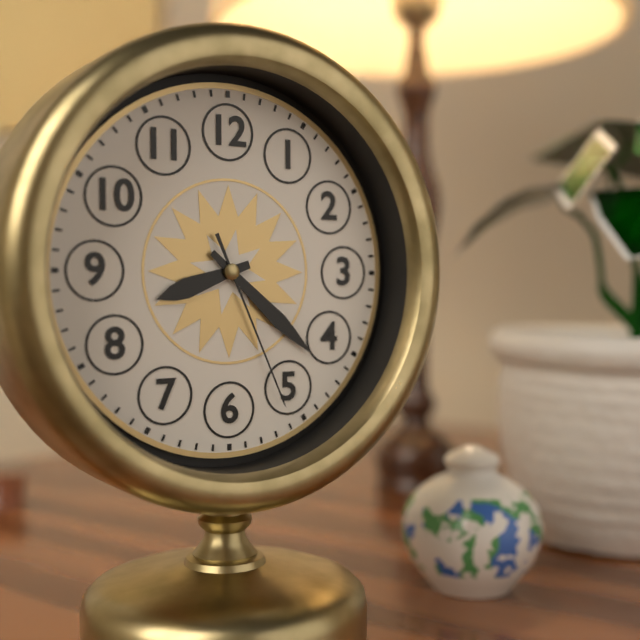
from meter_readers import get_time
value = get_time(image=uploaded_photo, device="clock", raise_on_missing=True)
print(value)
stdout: 8:22:26
